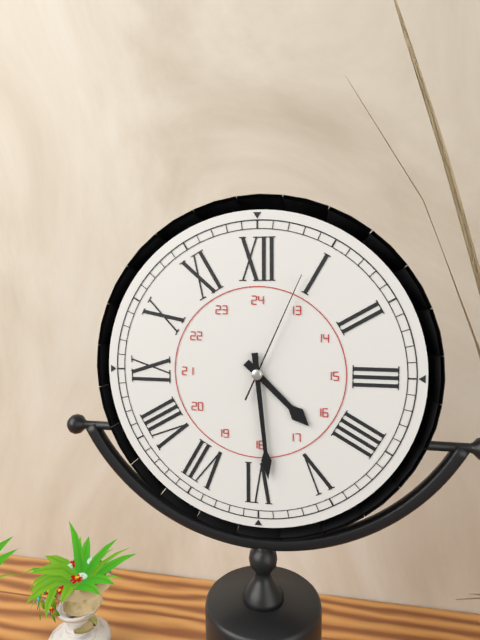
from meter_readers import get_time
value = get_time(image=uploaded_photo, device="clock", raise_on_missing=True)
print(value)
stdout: 4:29:04
